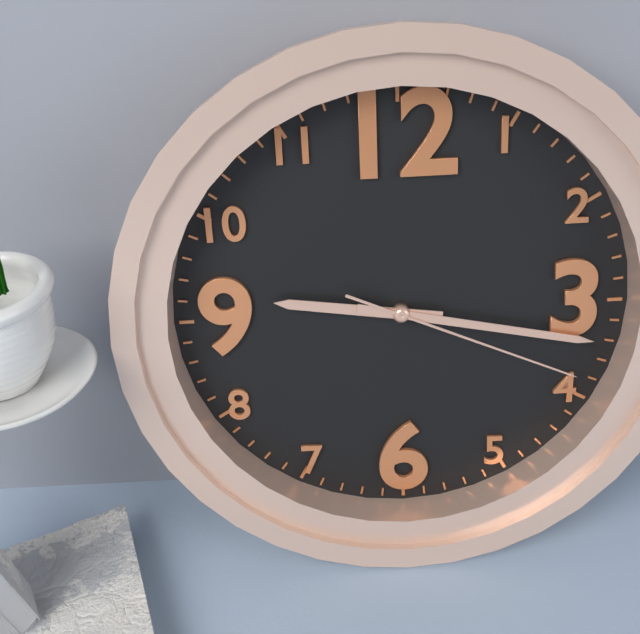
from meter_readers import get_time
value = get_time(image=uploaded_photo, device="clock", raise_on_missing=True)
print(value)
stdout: 9:17:19
